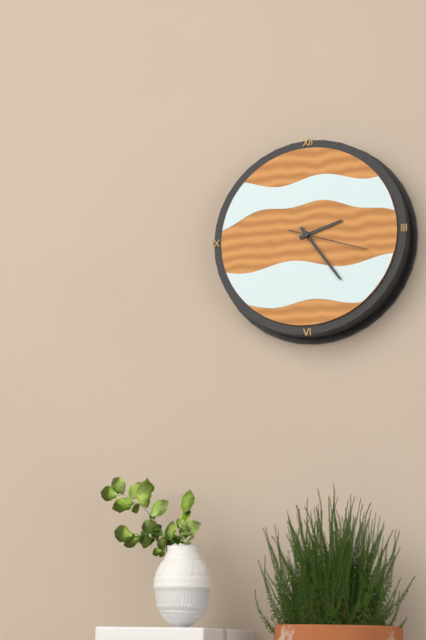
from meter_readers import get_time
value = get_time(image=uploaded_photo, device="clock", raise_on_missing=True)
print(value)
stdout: 2:24:18
